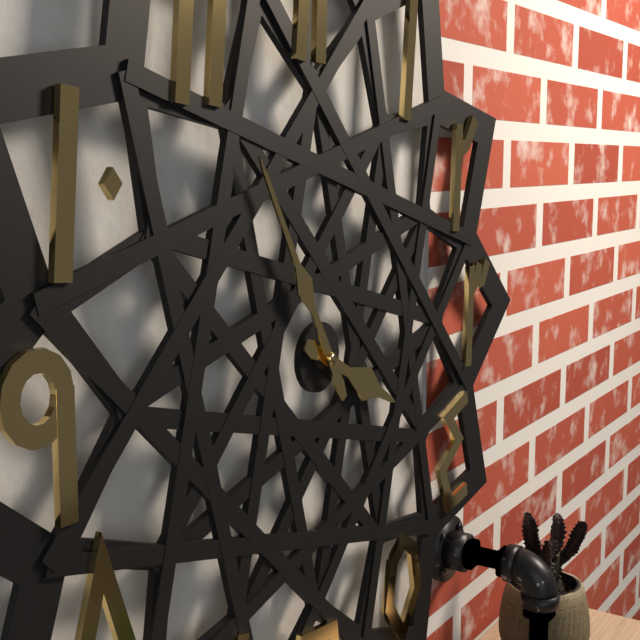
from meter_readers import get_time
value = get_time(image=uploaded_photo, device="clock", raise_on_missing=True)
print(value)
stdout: 3:55
